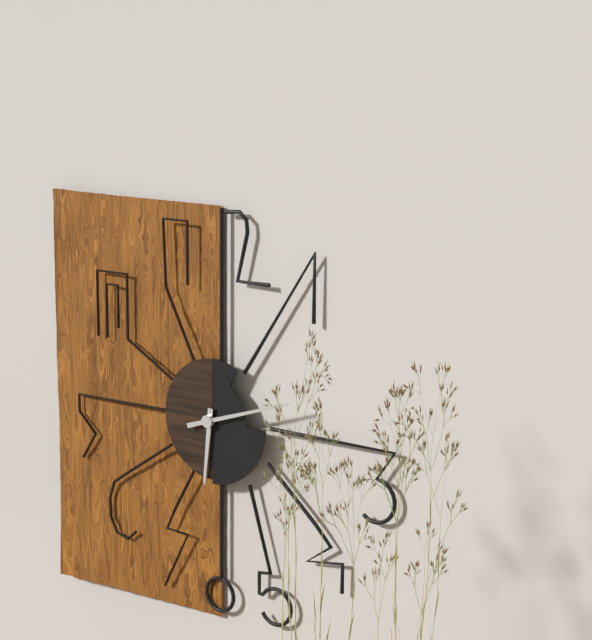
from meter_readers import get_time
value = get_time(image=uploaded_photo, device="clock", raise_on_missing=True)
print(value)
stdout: 6:12
